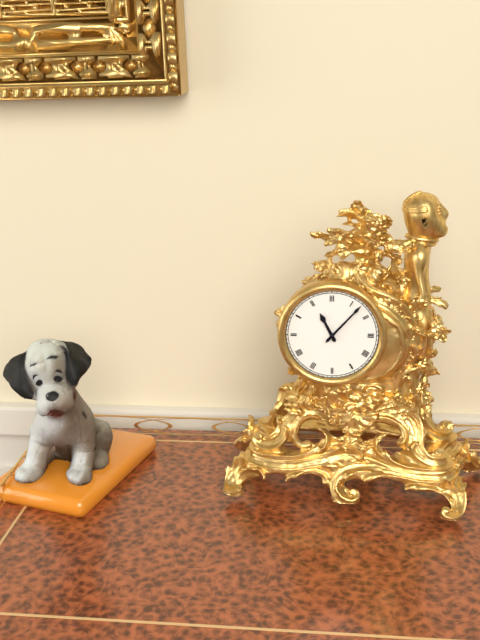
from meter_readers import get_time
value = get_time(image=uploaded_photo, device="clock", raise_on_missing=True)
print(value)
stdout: 11:07
